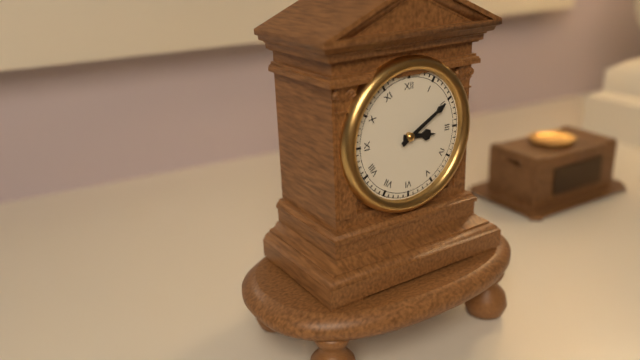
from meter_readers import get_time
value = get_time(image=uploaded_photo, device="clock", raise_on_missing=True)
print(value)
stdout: 3:10
